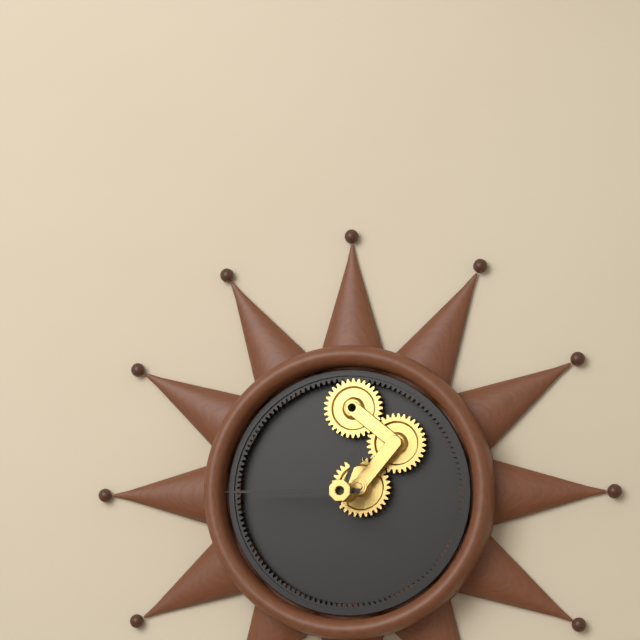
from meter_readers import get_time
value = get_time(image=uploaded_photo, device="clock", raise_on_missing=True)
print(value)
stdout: 12:45
